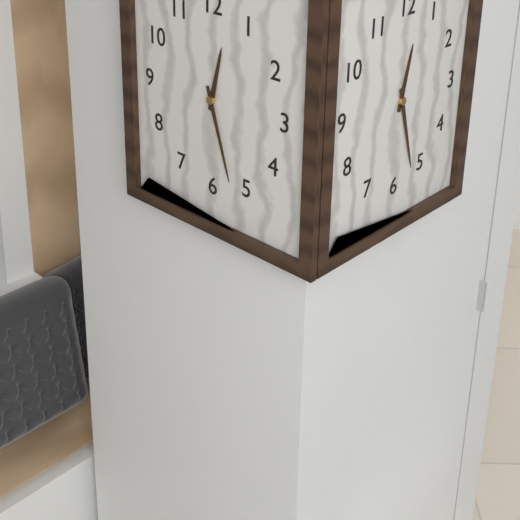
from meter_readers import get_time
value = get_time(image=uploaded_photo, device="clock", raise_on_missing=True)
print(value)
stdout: 12:27
